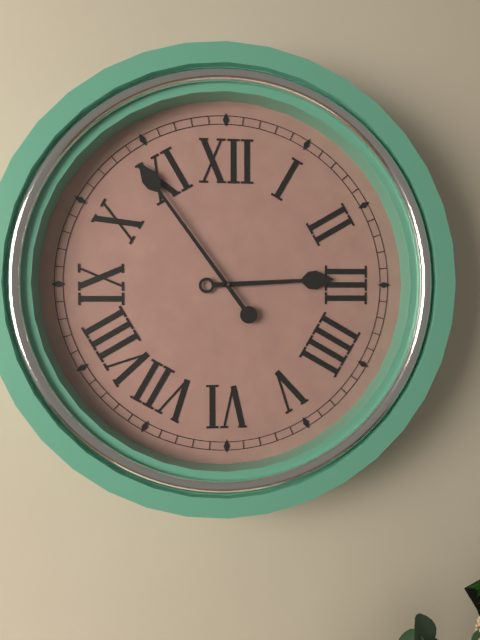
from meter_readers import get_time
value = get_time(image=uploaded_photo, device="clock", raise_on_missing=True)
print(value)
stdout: 2:54
